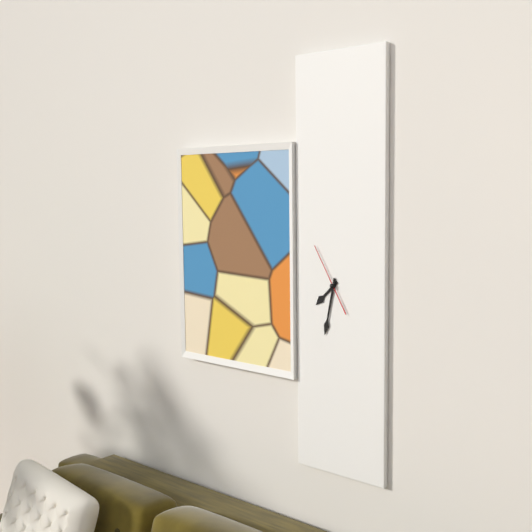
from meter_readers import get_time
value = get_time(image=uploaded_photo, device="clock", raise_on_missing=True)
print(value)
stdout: 7:32:55
